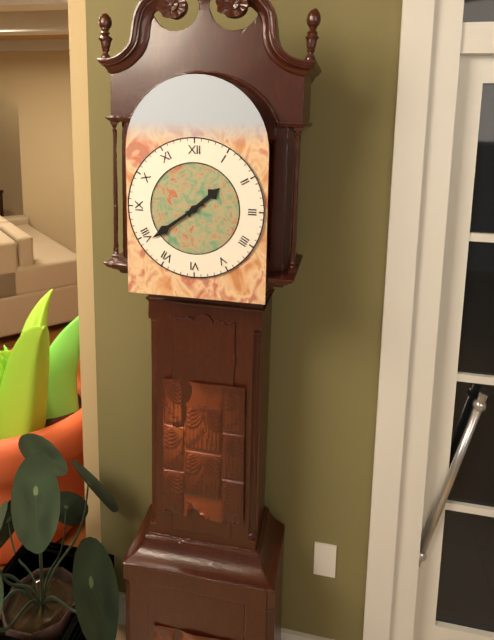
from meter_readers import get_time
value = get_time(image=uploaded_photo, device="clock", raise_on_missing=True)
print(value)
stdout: 1:39
